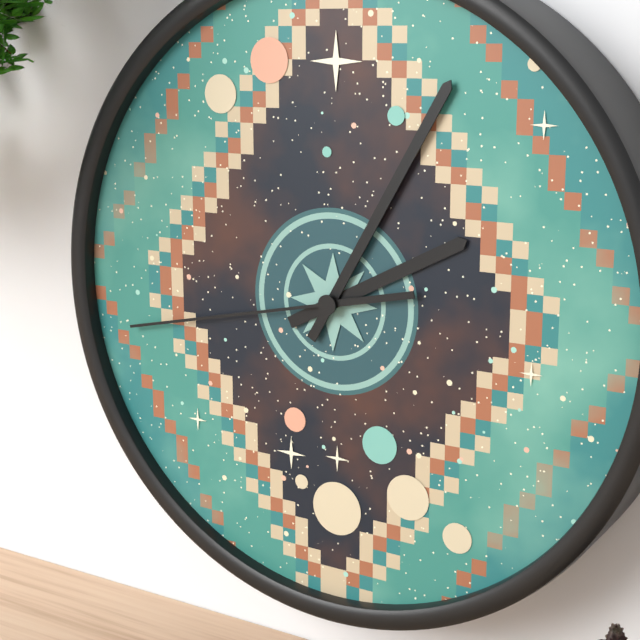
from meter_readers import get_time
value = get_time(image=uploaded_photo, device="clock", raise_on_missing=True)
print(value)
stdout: 2:05:43
